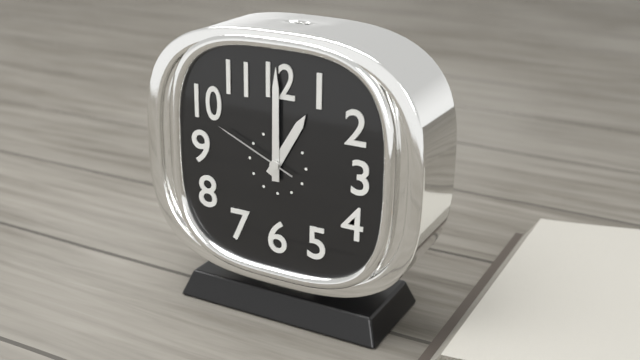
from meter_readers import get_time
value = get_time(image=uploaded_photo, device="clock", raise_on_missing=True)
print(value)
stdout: 1:00:49
